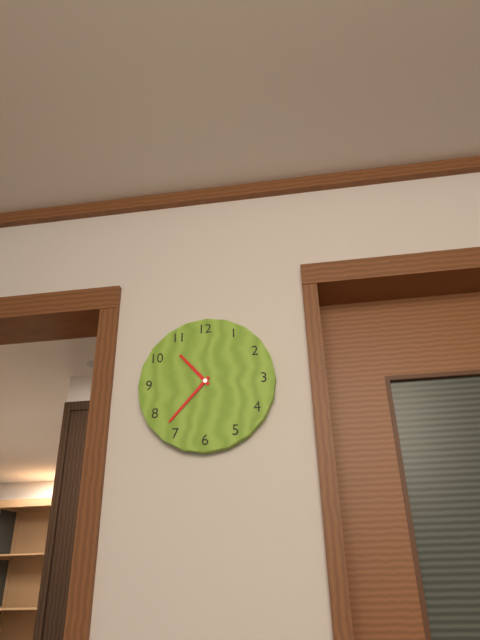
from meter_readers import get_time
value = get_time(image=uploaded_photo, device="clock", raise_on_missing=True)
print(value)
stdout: 10:37
